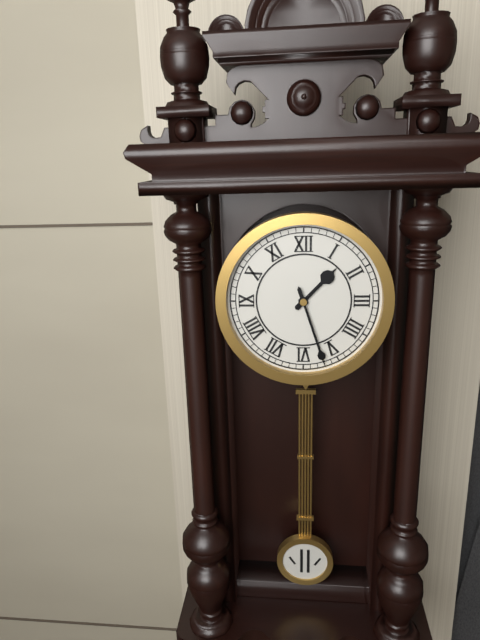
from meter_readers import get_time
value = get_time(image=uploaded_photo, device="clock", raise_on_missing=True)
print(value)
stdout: 1:27
